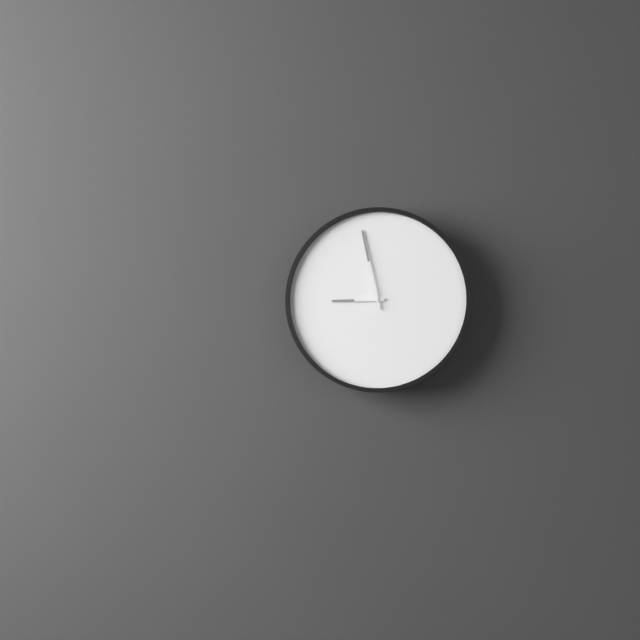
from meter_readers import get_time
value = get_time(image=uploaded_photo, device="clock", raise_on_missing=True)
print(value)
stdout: 8:58
